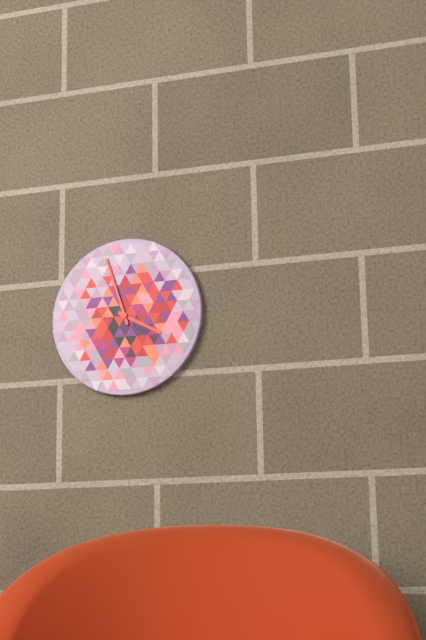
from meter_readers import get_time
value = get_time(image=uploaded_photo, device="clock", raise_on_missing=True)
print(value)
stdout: 3:57
